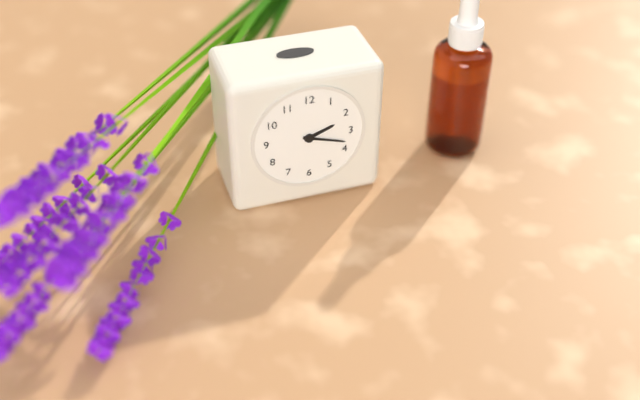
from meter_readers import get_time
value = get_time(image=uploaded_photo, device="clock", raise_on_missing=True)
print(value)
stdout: 2:18
